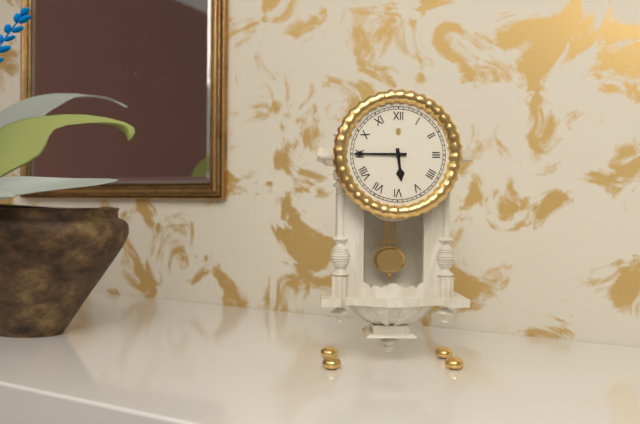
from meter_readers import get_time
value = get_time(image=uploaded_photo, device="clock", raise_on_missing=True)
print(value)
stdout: 5:45
